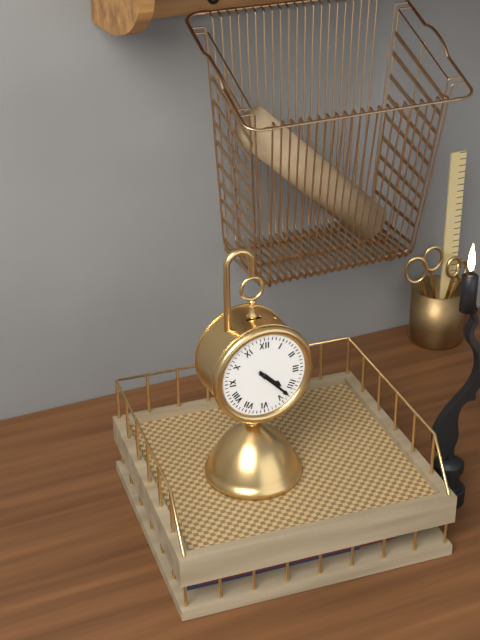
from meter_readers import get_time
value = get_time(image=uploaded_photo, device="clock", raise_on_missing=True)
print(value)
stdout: 4:23
